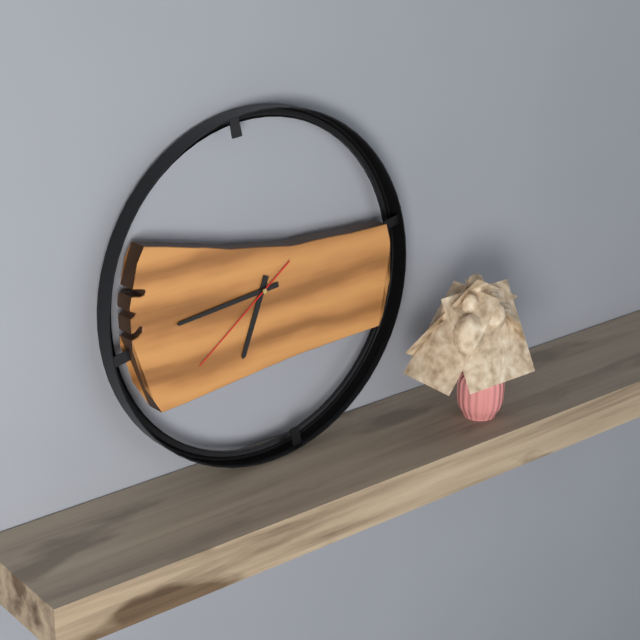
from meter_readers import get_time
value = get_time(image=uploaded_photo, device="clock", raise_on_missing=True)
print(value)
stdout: 6:44:39
